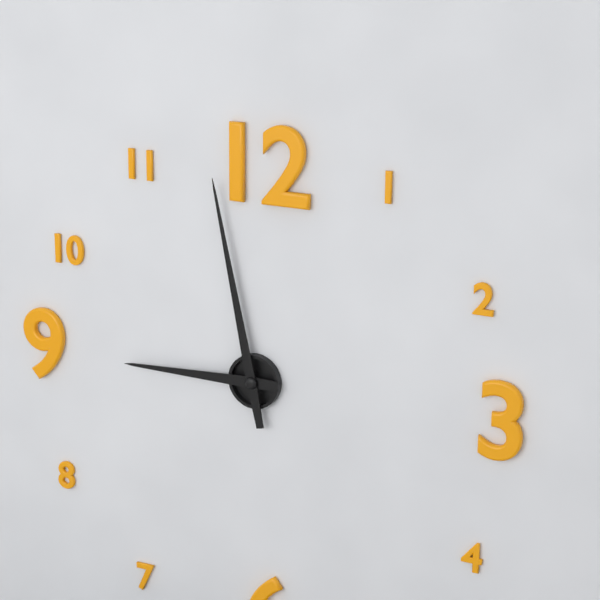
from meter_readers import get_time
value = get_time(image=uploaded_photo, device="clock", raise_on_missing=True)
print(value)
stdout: 8:58
